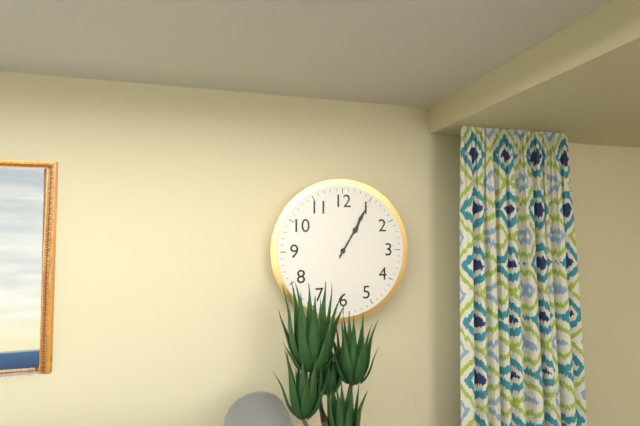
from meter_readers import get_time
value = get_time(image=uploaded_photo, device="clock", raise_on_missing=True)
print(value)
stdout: 1:05
